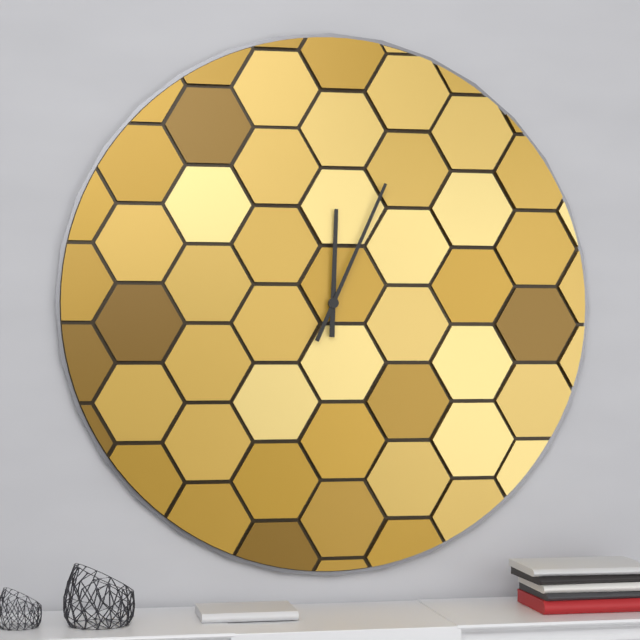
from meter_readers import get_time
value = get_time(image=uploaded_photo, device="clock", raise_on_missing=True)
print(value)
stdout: 12:04
